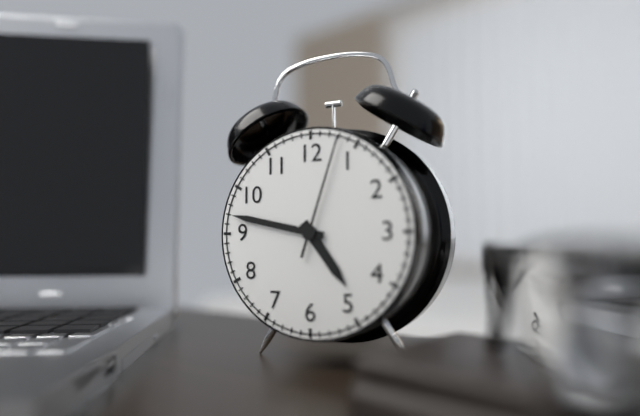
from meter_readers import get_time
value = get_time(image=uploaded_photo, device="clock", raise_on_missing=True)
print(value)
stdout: 4:47:03
